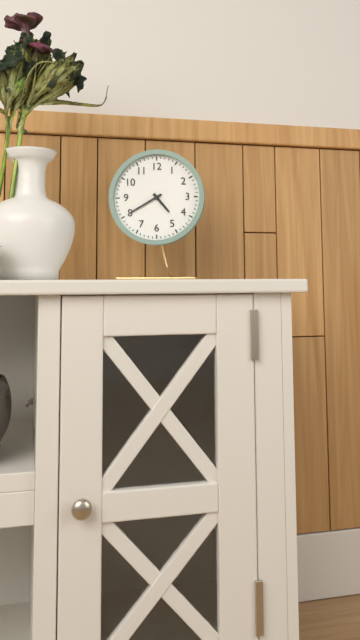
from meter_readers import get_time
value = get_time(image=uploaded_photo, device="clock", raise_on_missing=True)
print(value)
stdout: 4:40
